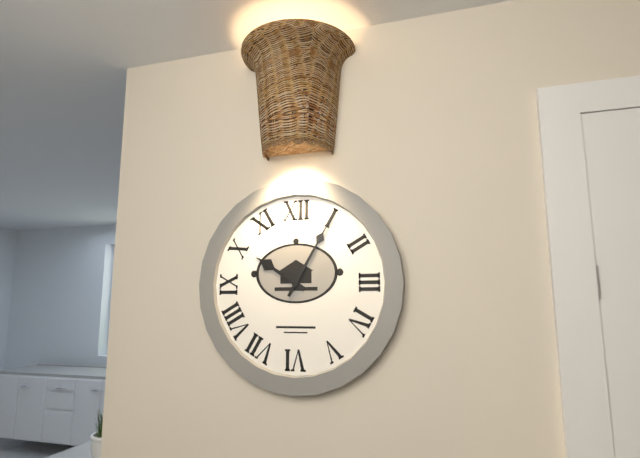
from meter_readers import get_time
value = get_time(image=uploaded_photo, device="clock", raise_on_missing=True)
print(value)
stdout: 10:05
